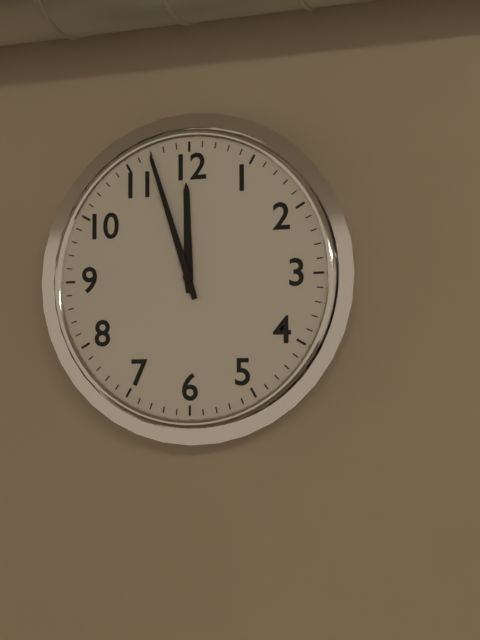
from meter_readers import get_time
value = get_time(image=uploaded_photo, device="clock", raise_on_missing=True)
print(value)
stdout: 11:57
